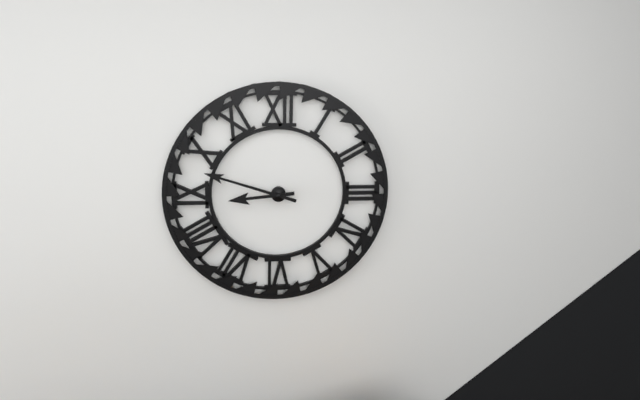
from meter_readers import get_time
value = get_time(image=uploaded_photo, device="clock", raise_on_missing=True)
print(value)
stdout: 8:48
